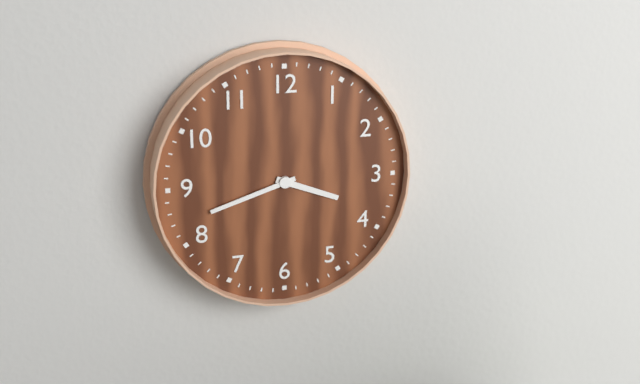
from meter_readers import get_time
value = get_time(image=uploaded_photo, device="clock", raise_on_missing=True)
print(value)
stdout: 3:42
